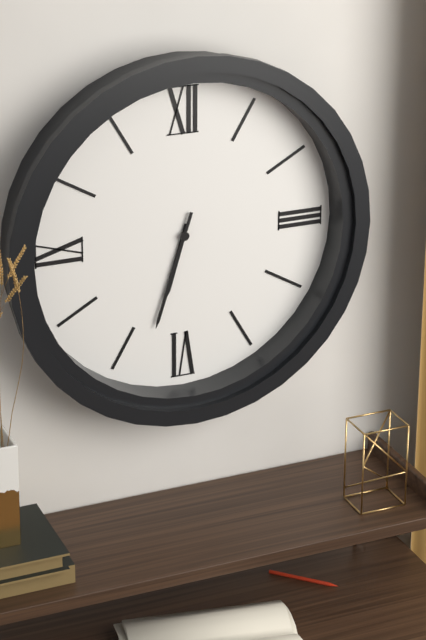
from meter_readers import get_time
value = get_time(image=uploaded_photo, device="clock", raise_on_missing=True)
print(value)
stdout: 6:33
